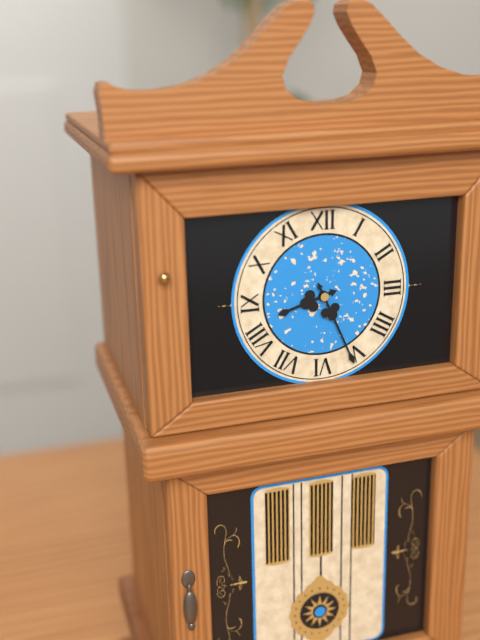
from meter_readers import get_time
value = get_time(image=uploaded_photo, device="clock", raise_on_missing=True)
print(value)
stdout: 8:26
